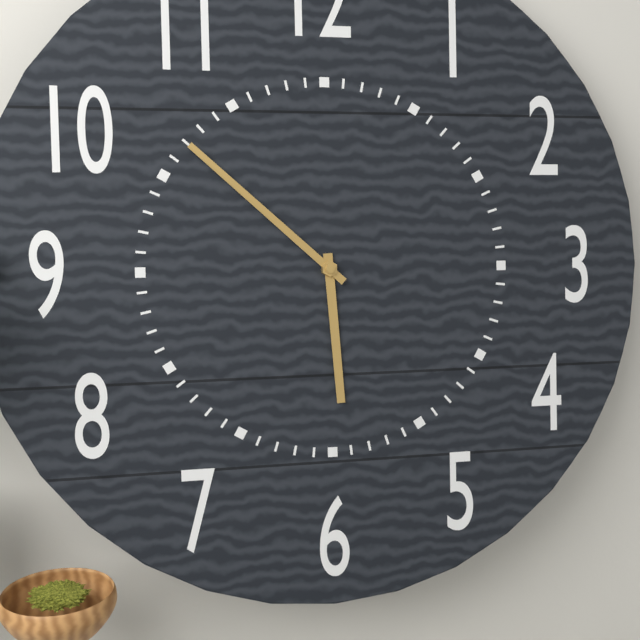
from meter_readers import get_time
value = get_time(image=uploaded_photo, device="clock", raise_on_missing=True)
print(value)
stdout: 5:52
